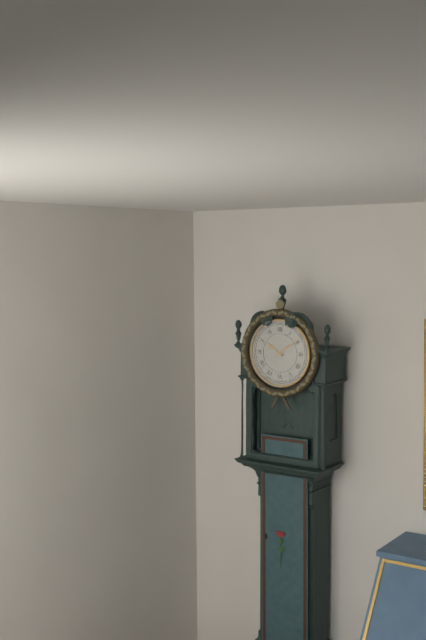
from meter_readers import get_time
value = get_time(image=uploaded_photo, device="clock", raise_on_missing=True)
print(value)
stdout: 10:09
